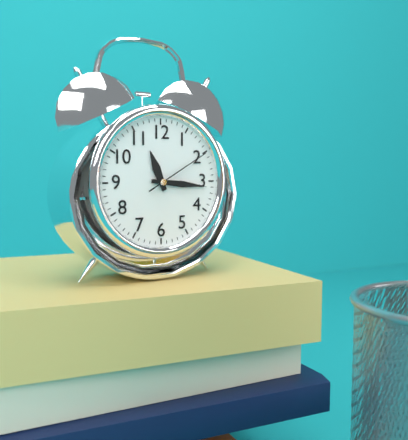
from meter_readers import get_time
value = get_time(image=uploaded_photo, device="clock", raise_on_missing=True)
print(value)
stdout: 11:16:10
